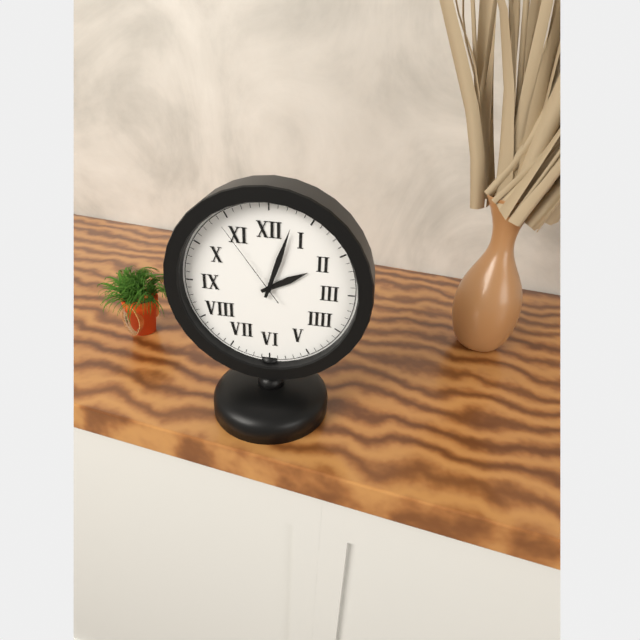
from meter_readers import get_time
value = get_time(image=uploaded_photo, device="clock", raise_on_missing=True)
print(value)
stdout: 2:03:54
